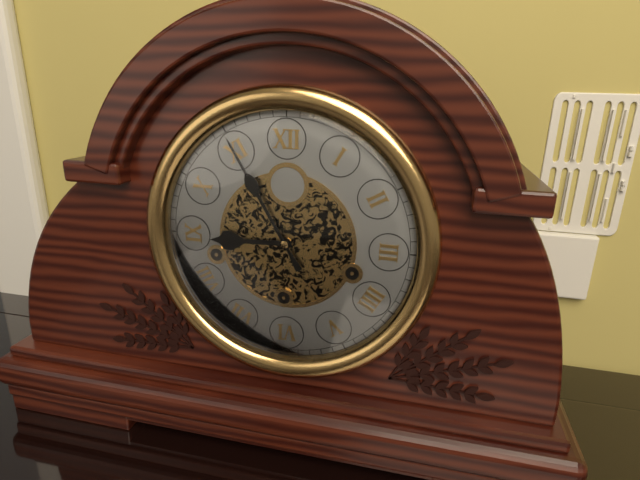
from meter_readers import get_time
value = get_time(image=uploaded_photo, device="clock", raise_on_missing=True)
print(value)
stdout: 8:55
